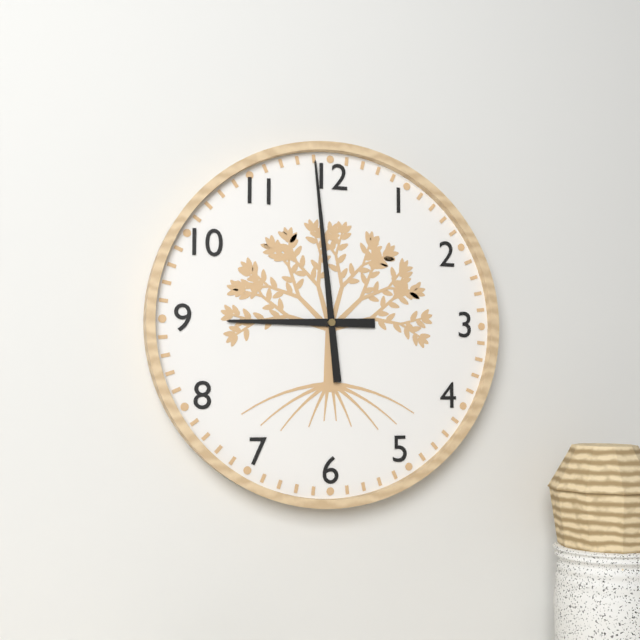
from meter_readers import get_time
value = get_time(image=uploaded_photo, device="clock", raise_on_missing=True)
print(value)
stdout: 8:59
